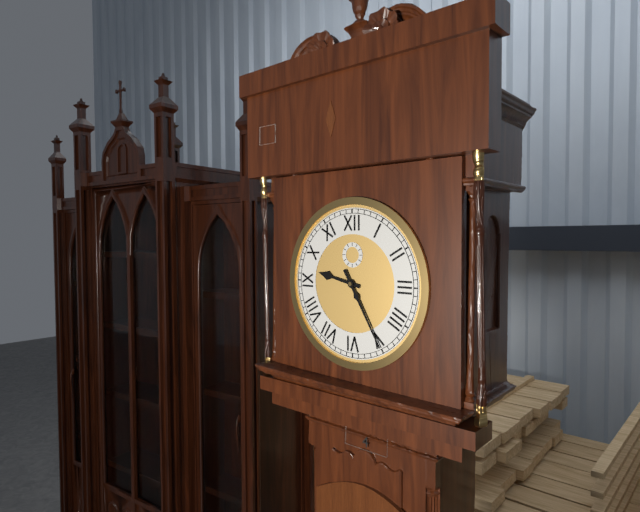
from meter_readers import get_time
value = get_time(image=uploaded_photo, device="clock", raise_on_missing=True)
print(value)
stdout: 9:25
